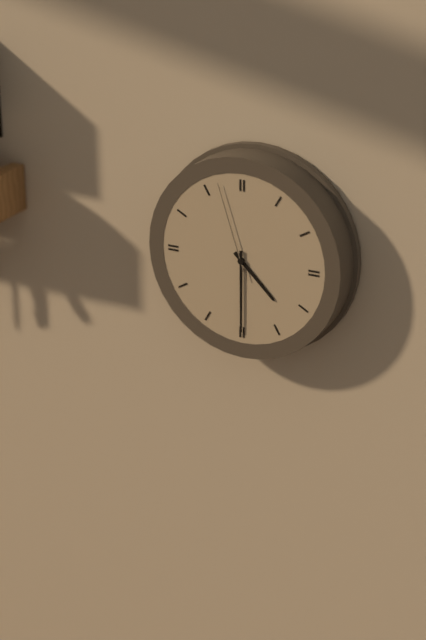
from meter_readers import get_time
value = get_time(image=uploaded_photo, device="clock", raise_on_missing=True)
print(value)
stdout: 4:30:57
